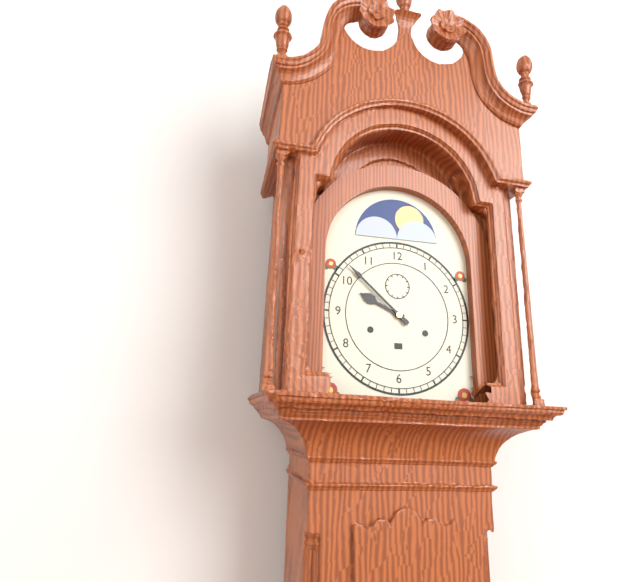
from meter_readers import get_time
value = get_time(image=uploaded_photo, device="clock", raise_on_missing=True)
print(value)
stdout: 9:52
